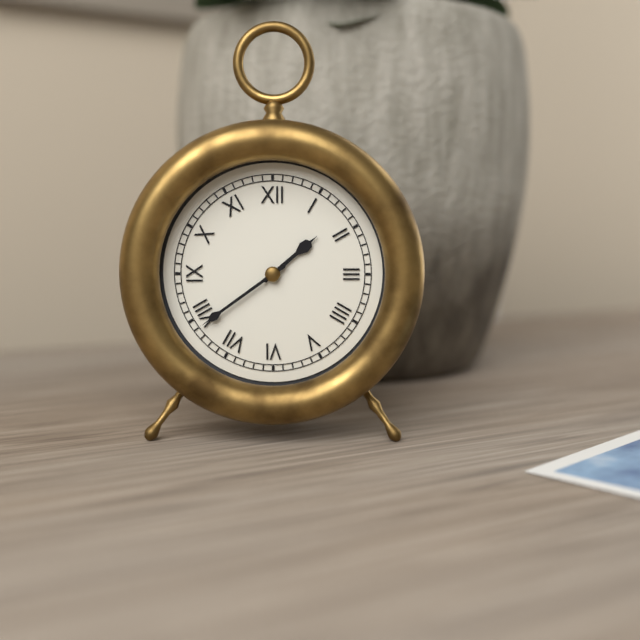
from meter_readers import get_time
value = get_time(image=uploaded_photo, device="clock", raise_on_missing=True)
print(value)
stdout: 1:39
